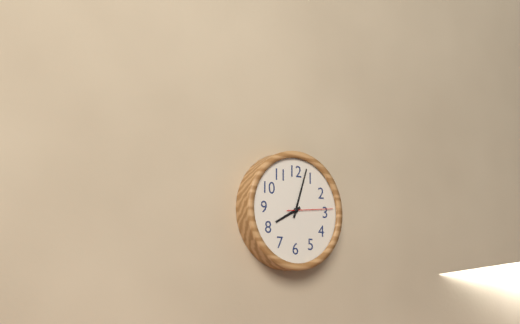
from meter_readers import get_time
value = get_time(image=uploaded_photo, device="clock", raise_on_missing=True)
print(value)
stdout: 8:03
